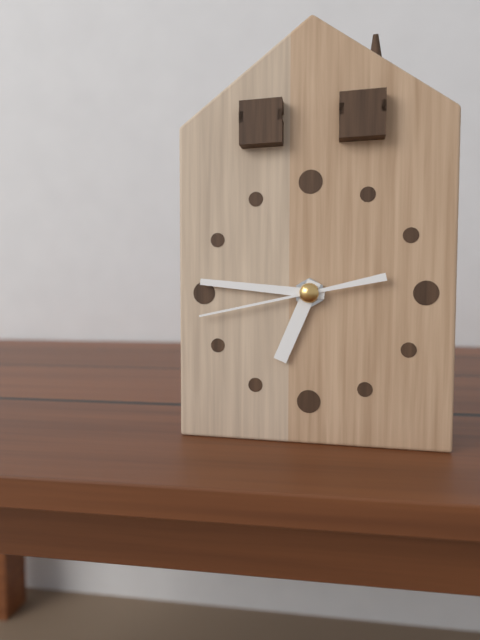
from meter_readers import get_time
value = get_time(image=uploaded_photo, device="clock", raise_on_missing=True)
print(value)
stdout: 6:46:43
